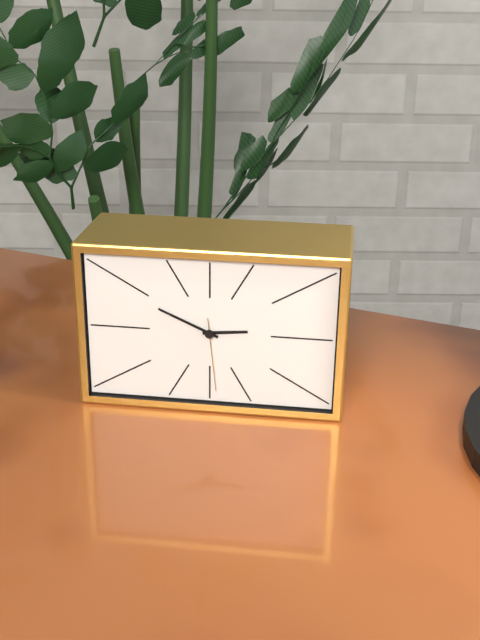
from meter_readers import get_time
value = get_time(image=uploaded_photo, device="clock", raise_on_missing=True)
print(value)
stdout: 2:49:29
